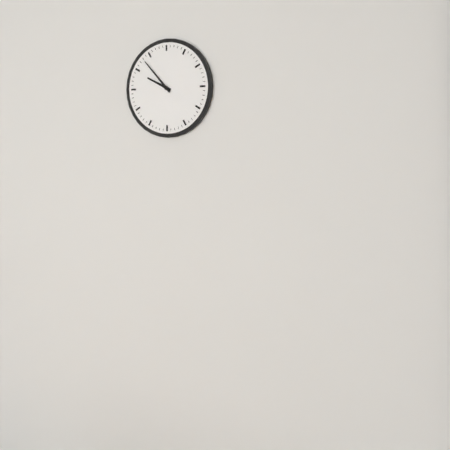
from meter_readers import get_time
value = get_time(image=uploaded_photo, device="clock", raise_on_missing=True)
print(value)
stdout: 9:53
